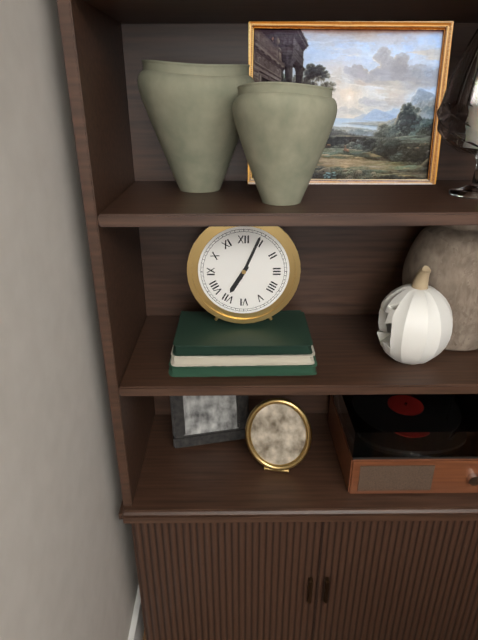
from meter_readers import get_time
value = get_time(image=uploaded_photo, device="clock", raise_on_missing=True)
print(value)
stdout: 7:04
